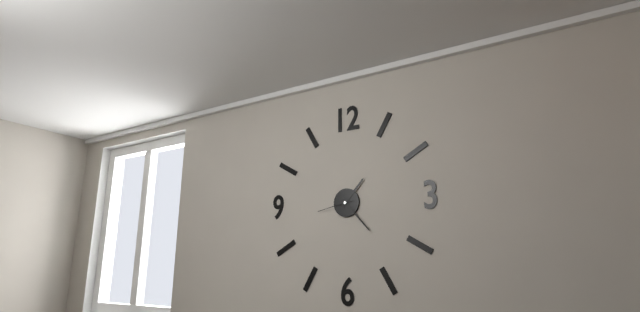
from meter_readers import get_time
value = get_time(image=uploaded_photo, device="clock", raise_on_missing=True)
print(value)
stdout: 1:23
